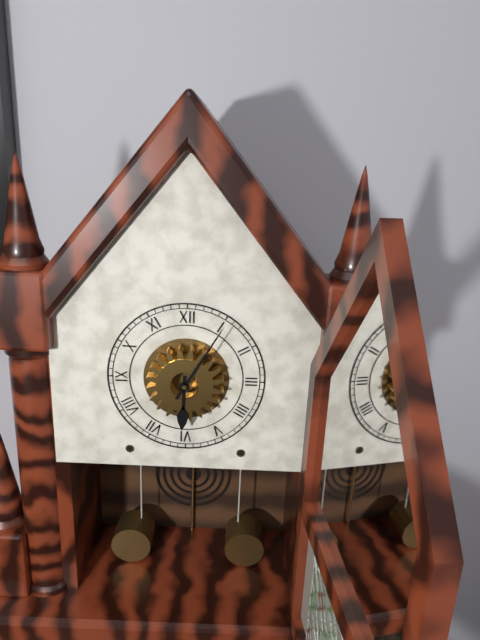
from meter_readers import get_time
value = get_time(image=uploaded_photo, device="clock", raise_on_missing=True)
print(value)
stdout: 6:05
